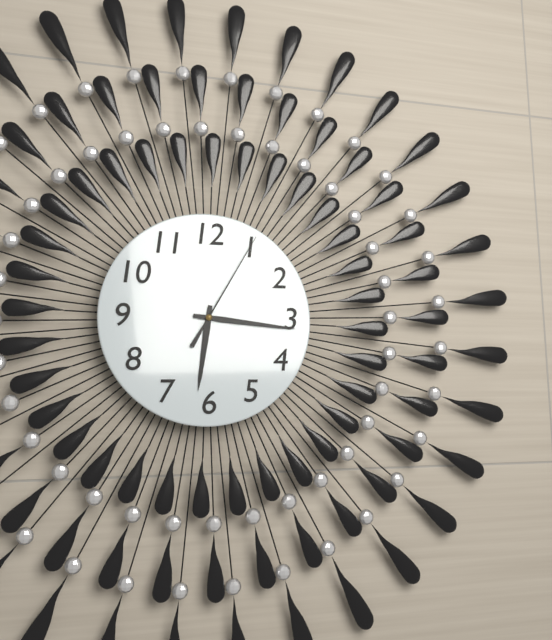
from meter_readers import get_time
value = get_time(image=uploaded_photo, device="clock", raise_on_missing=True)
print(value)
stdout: 6:16:05
